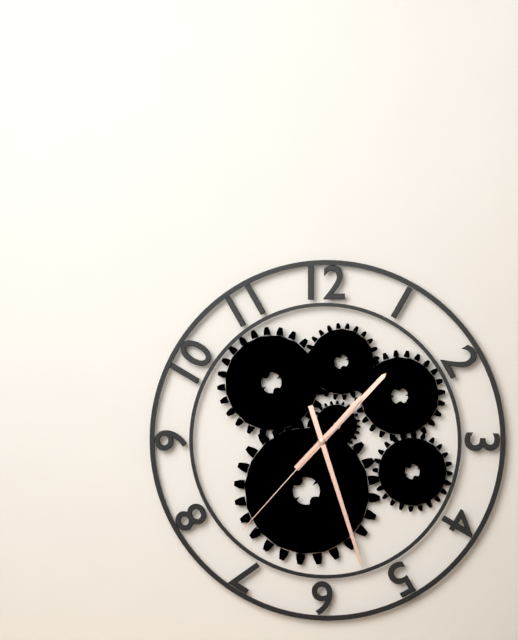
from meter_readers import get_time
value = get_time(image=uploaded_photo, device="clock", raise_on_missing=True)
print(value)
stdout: 1:27:37
